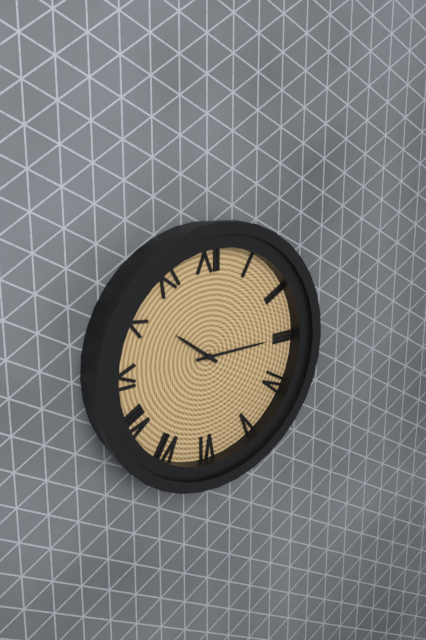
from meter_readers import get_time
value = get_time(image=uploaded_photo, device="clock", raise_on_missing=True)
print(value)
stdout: 10:15
